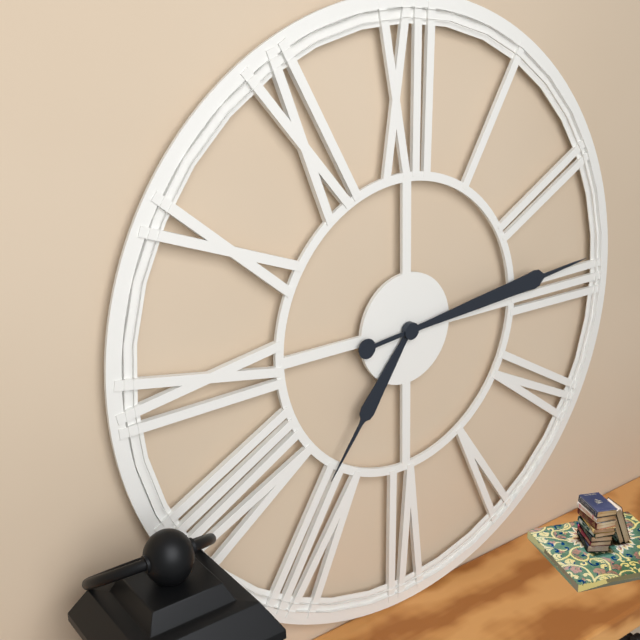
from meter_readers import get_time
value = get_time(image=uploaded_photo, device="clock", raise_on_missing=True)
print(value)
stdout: 7:14
